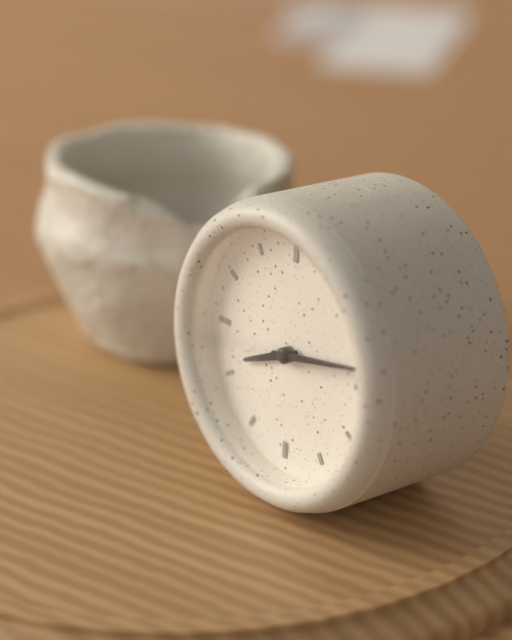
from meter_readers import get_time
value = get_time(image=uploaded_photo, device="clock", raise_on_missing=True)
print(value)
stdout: 8:13
